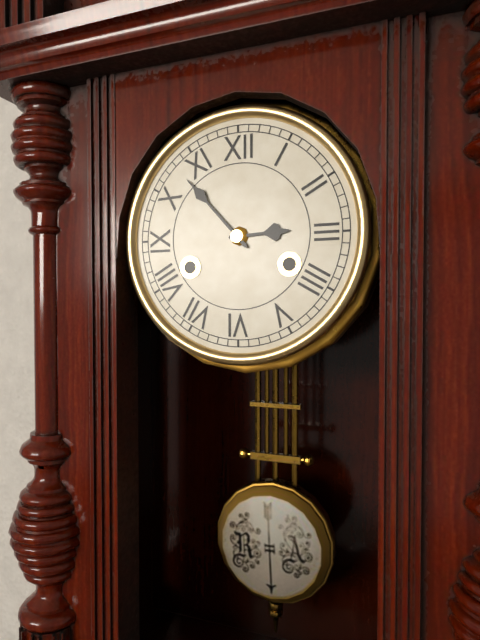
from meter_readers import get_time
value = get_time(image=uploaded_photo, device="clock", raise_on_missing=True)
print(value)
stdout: 2:53
